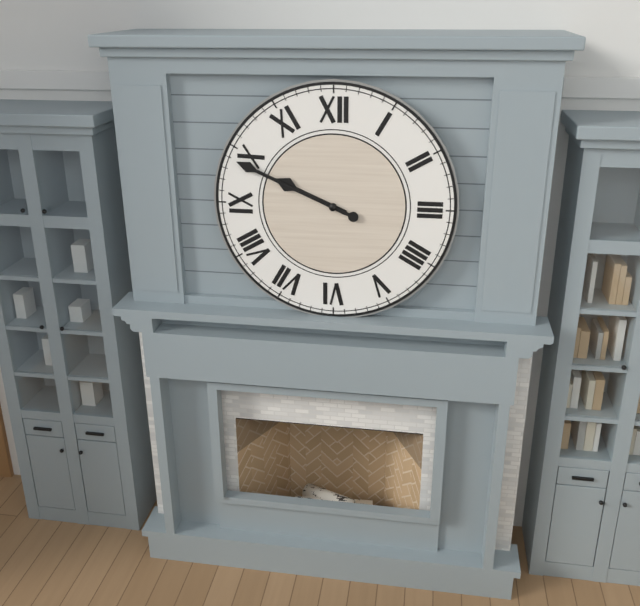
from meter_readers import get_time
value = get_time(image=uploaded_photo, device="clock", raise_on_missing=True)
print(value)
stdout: 9:49
